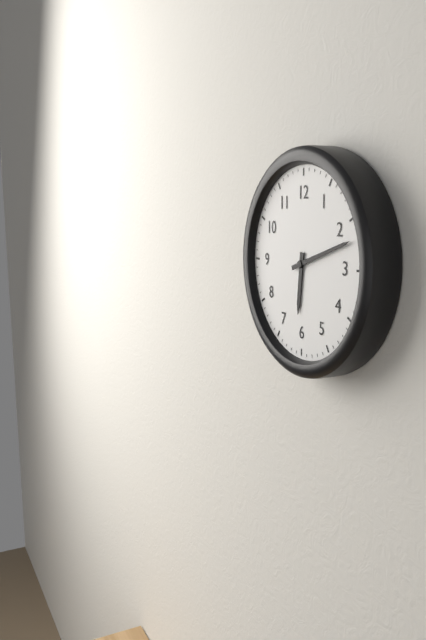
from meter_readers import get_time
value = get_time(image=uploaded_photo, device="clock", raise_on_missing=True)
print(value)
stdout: 6:12
